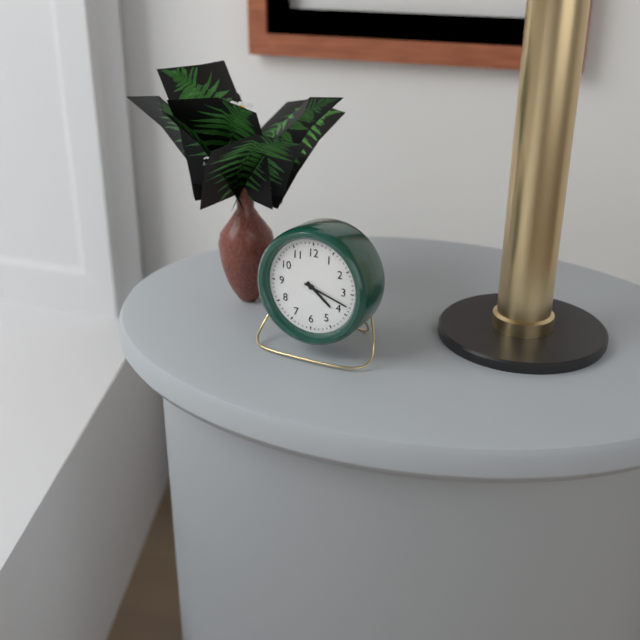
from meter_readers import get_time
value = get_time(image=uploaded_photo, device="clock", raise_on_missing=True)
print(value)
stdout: 4:18
